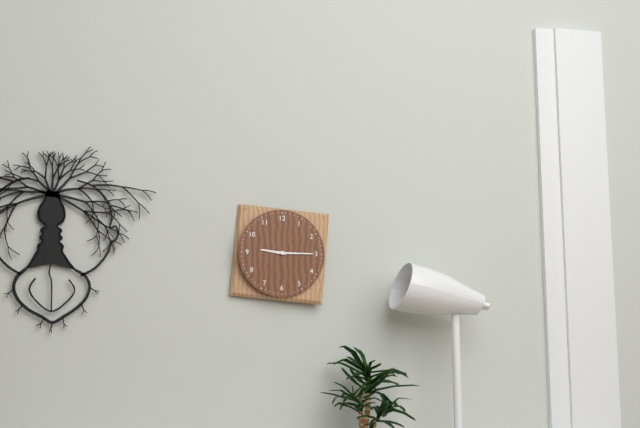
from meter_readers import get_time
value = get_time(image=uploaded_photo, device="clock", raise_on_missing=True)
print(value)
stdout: 9:15
